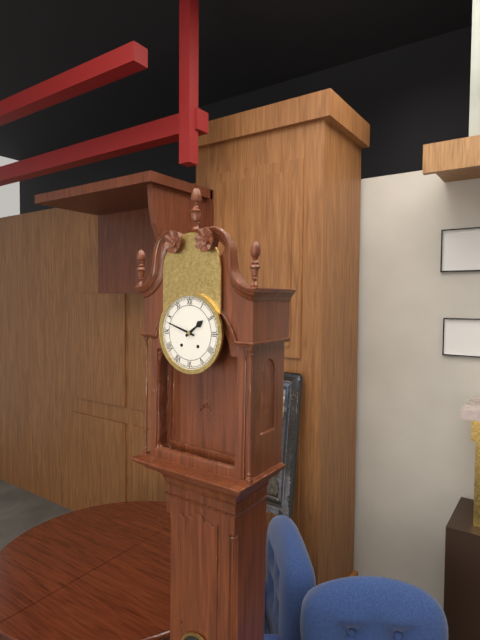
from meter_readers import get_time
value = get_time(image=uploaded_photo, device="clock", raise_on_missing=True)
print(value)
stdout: 1:48
